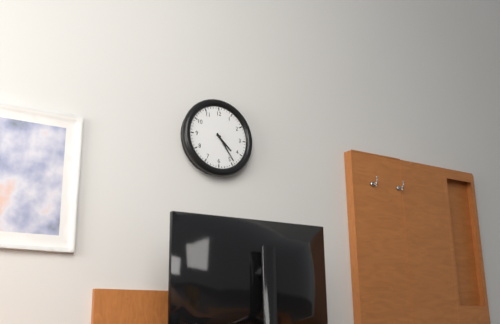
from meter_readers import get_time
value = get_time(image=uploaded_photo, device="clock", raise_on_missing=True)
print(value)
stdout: 4:24
